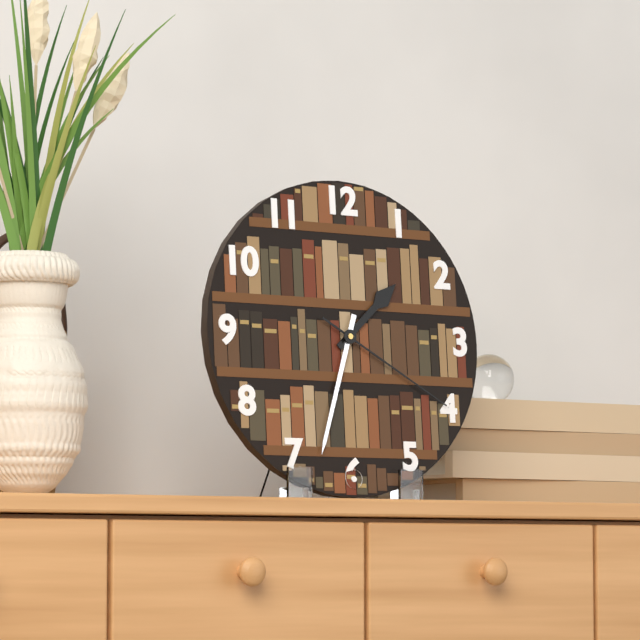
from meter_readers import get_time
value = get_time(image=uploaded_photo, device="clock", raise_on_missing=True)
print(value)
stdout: 1:33:20
